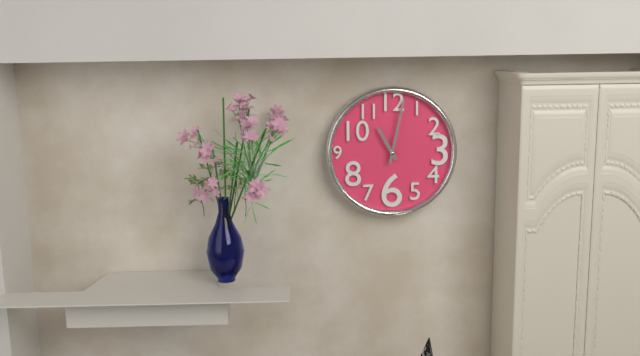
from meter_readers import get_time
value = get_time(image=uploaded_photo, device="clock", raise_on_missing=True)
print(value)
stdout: 11:02
